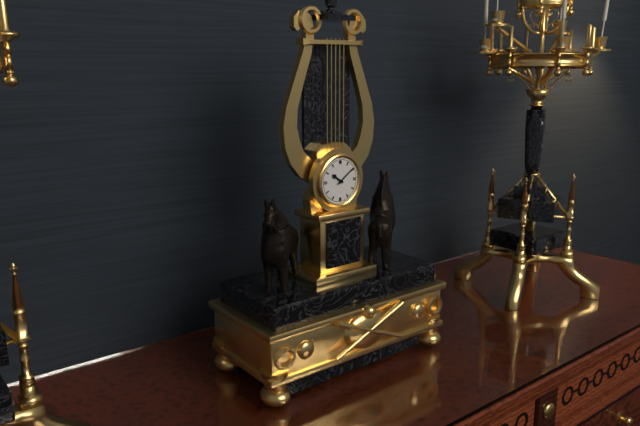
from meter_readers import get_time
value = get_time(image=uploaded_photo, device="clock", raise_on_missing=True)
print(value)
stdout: 10:09
